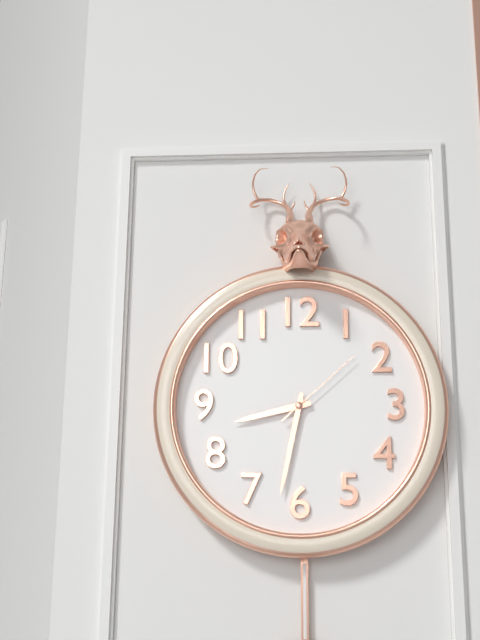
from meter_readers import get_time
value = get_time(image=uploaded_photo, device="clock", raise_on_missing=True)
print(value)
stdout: 8:32:08
